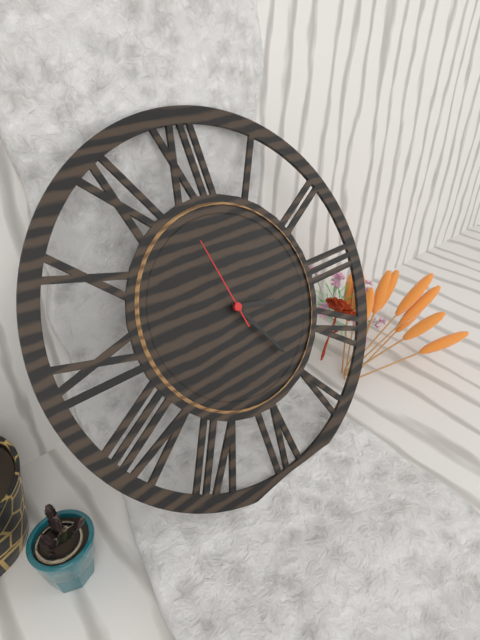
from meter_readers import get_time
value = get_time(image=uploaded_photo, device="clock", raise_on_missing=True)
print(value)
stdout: 3:25:58
